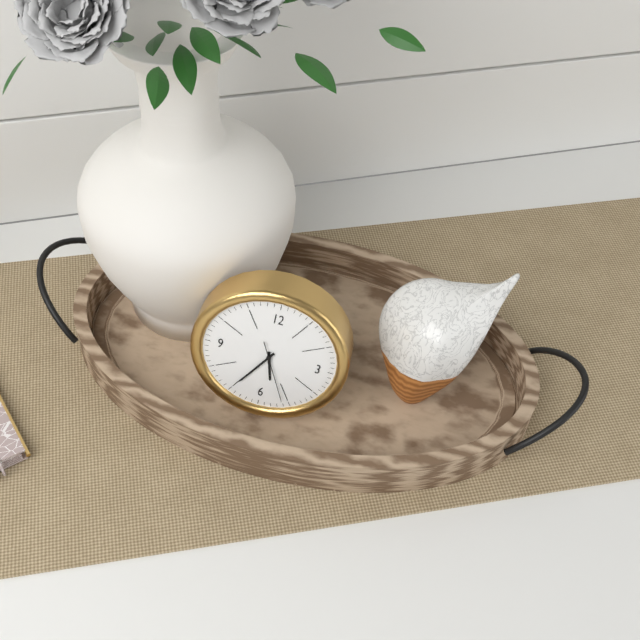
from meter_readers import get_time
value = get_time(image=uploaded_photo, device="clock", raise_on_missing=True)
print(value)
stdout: 5:35:26
